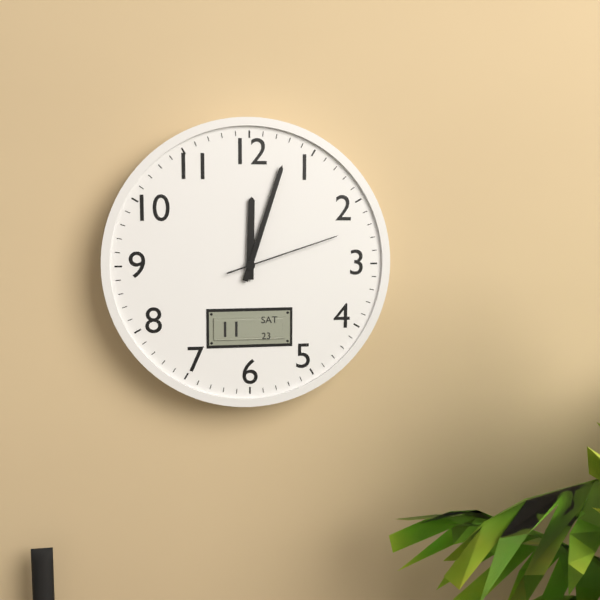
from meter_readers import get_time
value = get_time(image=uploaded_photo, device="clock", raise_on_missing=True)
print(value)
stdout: 12:03:12
